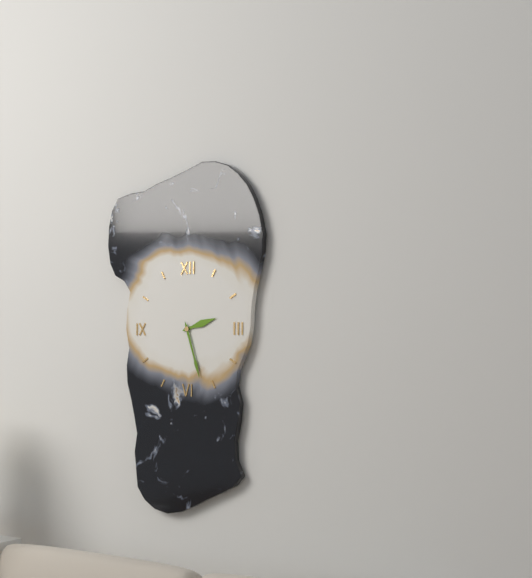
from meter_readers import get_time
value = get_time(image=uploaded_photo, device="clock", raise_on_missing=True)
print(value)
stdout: 2:27
